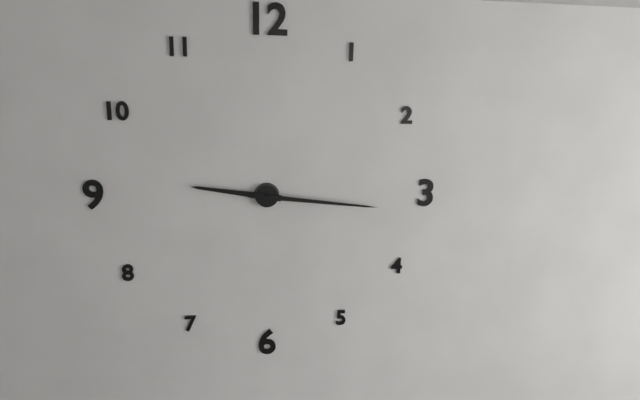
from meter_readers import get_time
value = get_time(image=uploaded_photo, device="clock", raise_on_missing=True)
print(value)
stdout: 9:16
